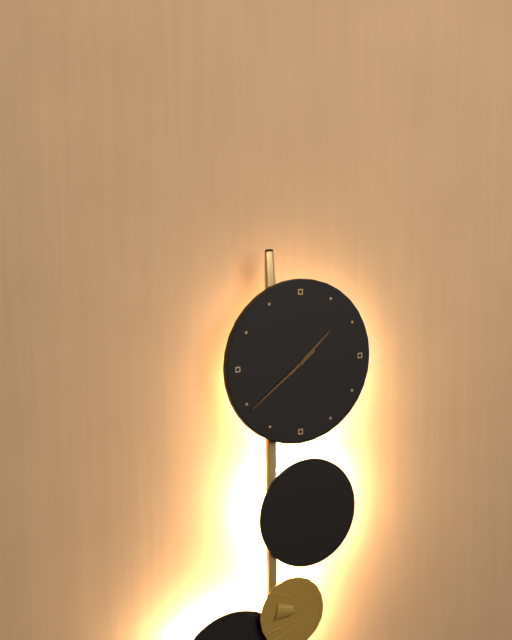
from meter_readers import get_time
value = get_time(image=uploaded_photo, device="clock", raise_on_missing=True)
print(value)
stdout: 1:39
